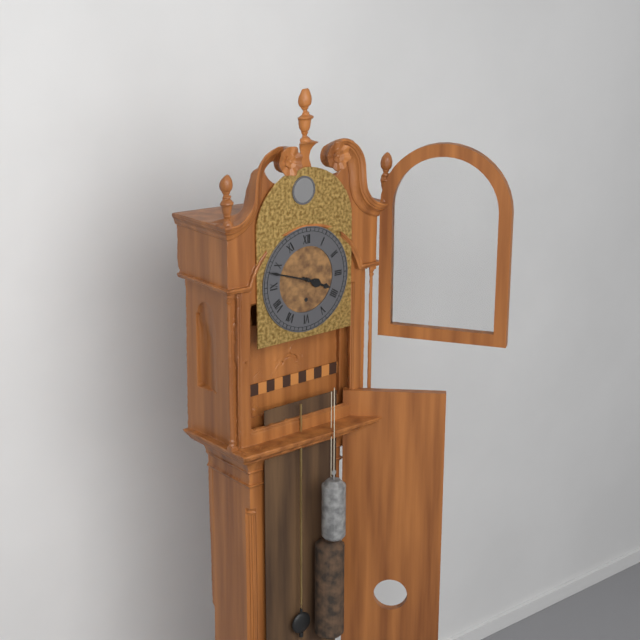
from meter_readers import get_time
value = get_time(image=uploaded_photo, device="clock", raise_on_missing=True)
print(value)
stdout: 3:48
